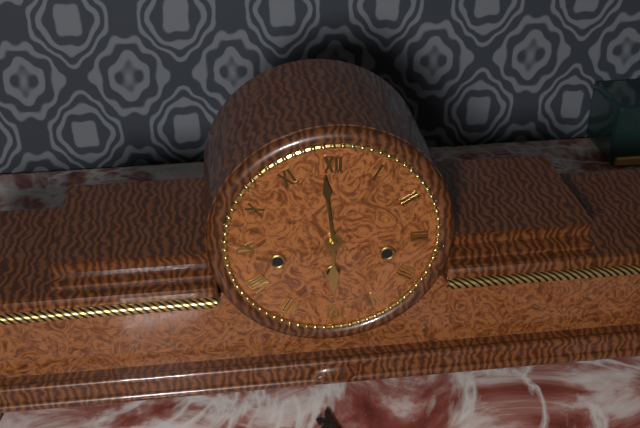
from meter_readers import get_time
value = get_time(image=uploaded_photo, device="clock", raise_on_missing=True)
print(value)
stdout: 5:59
